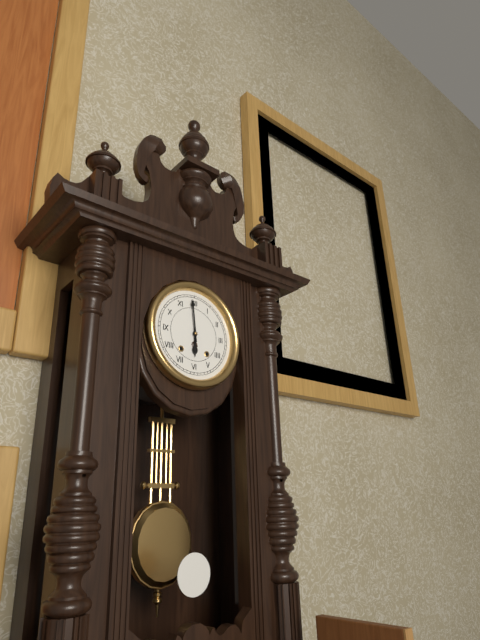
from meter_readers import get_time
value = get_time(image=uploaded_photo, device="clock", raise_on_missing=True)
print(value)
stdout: 5:59
